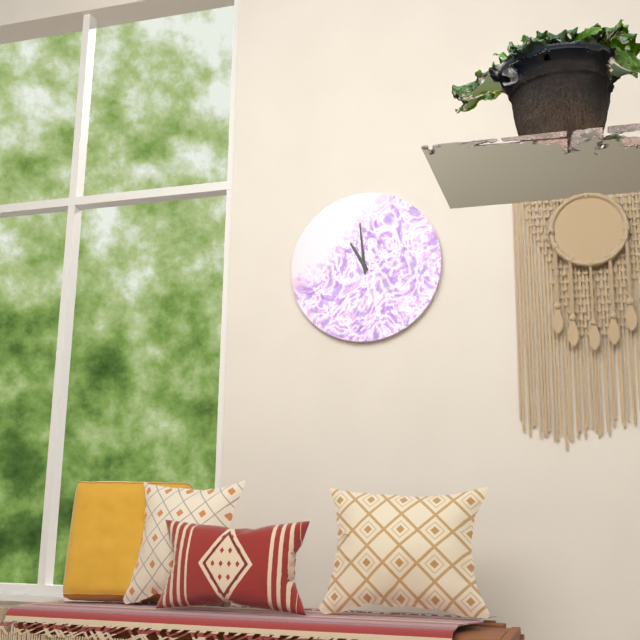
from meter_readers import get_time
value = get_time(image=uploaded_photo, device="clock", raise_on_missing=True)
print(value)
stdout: 10:59
